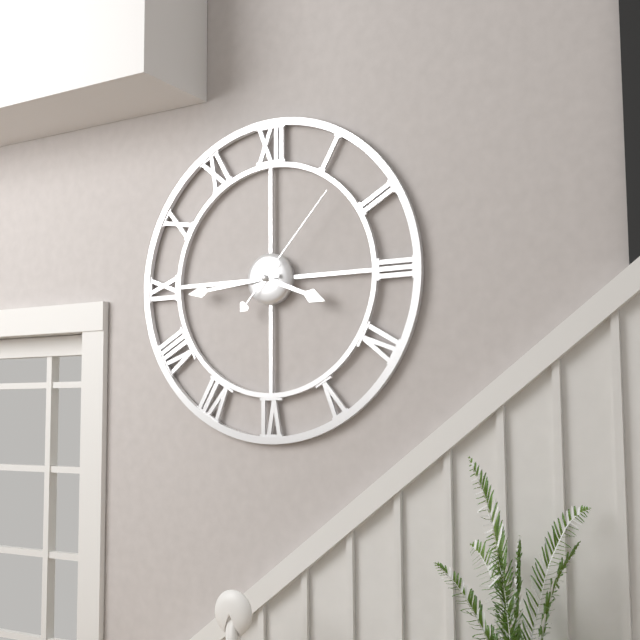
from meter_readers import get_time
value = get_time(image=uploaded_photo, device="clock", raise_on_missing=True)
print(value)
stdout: 3:44:07
